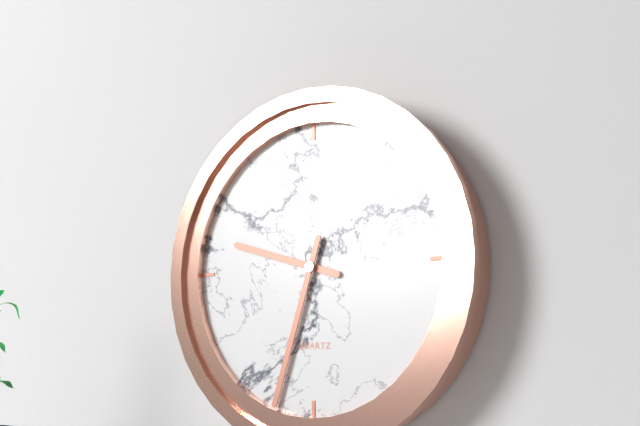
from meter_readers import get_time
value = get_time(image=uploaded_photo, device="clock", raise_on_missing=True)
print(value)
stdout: 9:33
